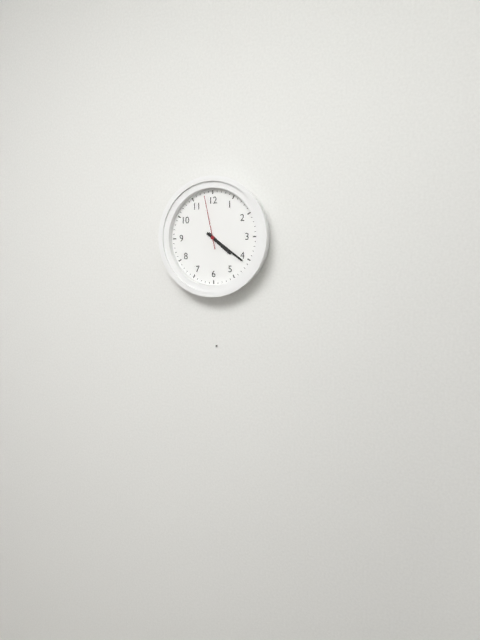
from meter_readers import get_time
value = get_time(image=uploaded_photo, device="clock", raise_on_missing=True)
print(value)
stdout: 4:21:58
